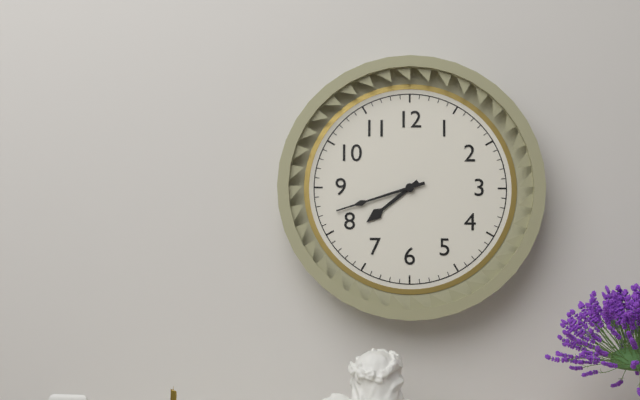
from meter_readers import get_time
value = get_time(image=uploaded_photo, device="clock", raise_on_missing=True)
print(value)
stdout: 7:42
